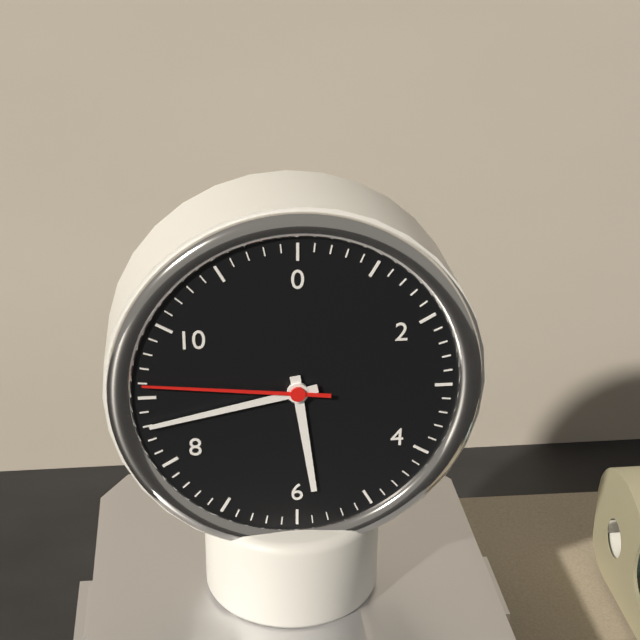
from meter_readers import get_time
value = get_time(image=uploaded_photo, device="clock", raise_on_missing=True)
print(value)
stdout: 5:43:46
